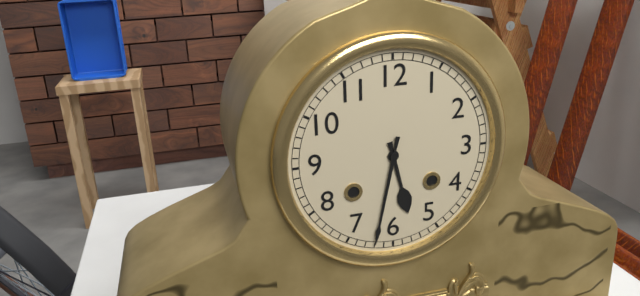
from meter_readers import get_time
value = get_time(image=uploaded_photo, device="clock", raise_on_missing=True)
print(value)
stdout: 5:32
